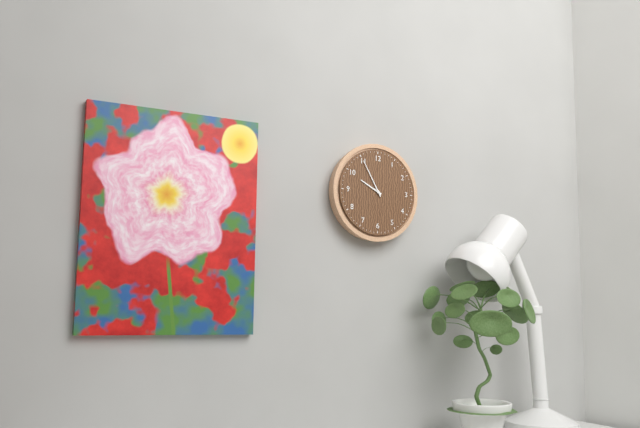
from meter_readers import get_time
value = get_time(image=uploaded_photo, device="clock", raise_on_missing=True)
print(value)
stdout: 9:55
